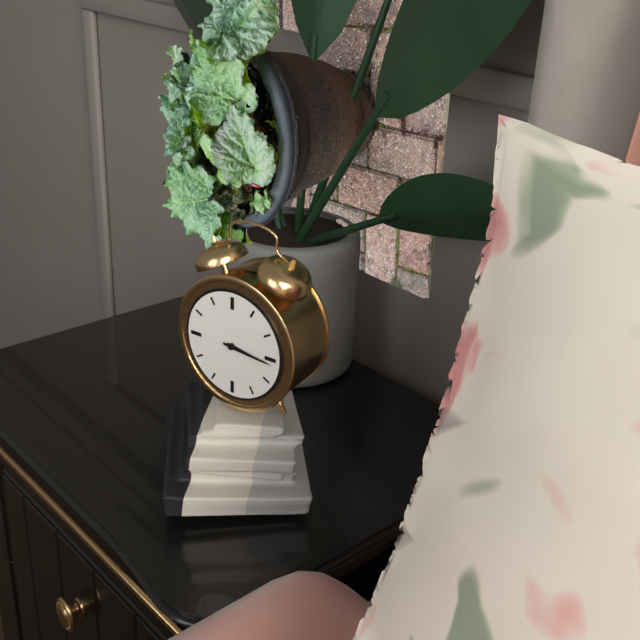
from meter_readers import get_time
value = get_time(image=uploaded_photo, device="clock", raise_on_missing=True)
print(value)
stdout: 3:16
